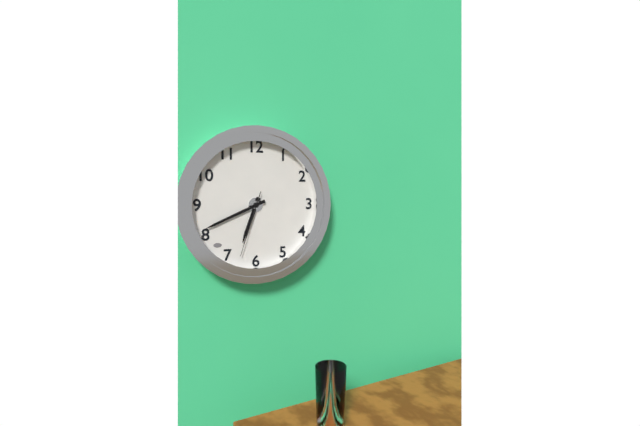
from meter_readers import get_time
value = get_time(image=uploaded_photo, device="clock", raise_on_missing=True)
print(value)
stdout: 6:41:33
